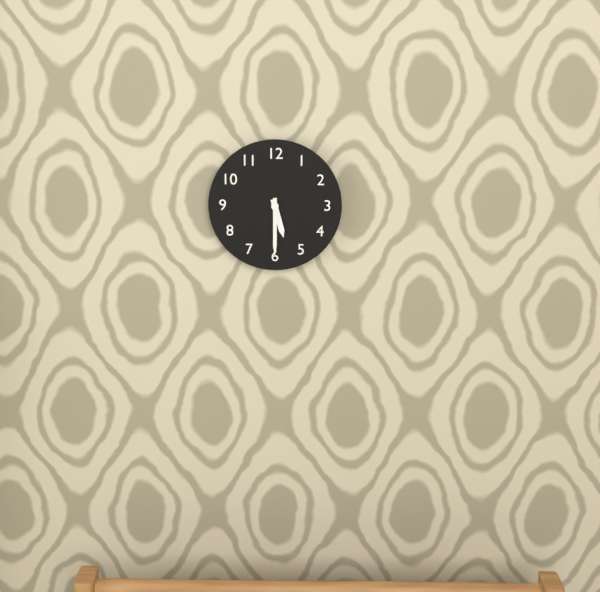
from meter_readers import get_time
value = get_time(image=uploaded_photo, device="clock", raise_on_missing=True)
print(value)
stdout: 5:30
